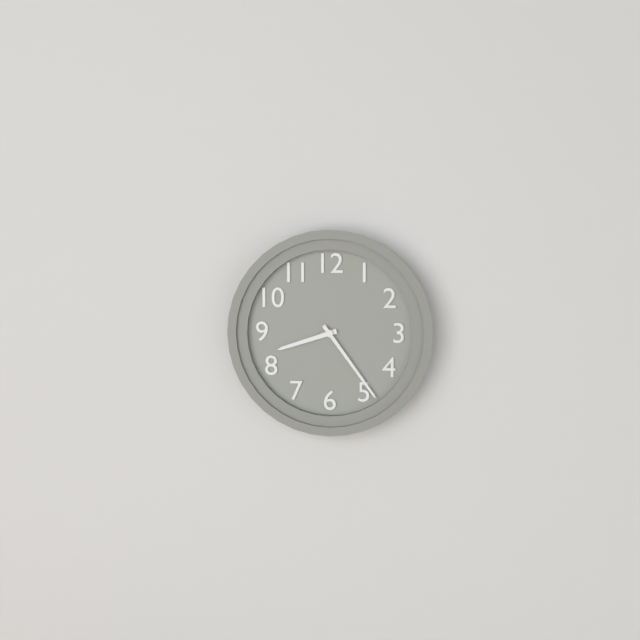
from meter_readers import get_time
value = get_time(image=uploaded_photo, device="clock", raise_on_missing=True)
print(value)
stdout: 8:24
